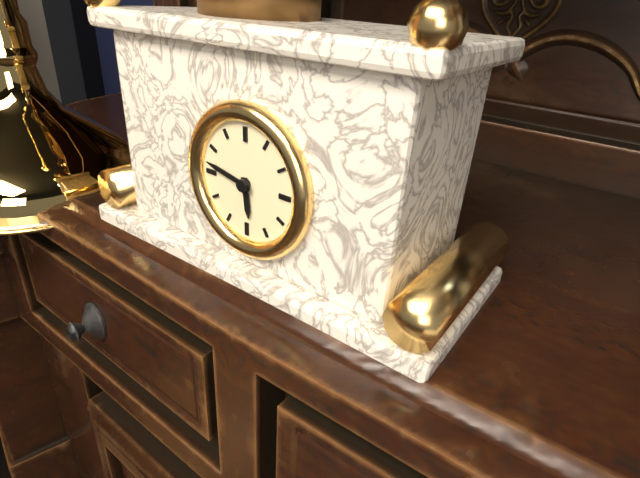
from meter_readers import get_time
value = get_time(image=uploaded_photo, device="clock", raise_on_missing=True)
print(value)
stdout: 5:47
